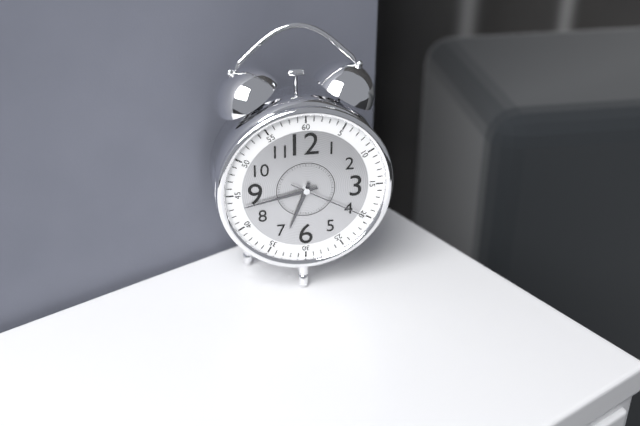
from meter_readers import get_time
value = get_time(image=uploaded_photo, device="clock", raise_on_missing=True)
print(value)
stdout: 6:43:20
